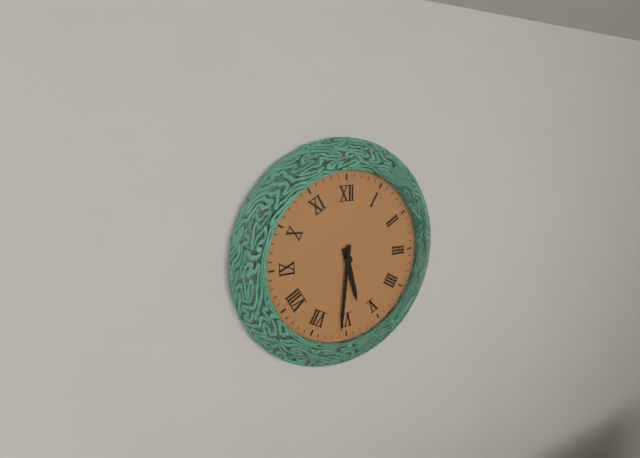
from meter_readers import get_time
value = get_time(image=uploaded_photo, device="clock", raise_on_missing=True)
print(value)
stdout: 5:31
